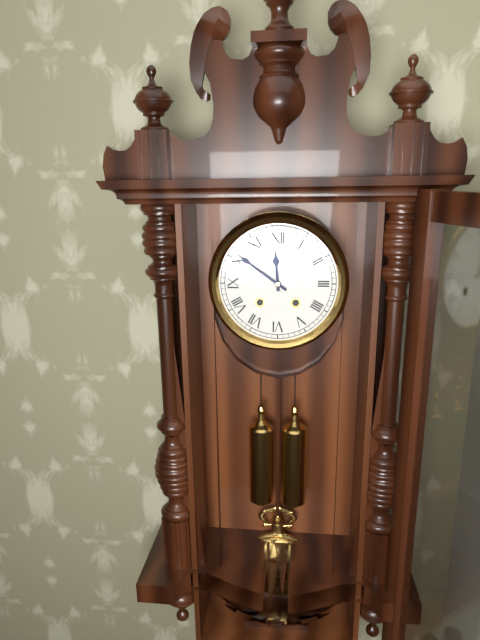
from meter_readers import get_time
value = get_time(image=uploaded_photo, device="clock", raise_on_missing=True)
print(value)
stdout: 11:51
